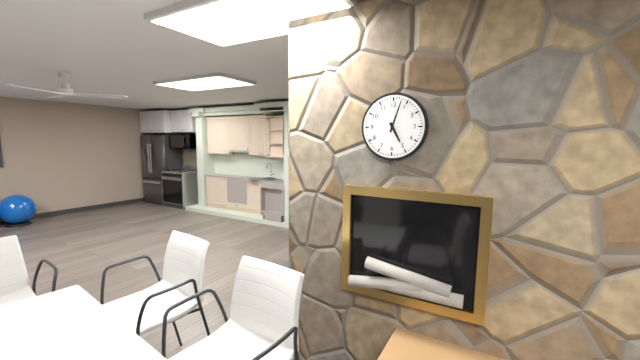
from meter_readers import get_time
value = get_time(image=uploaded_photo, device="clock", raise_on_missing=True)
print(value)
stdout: 5:03
